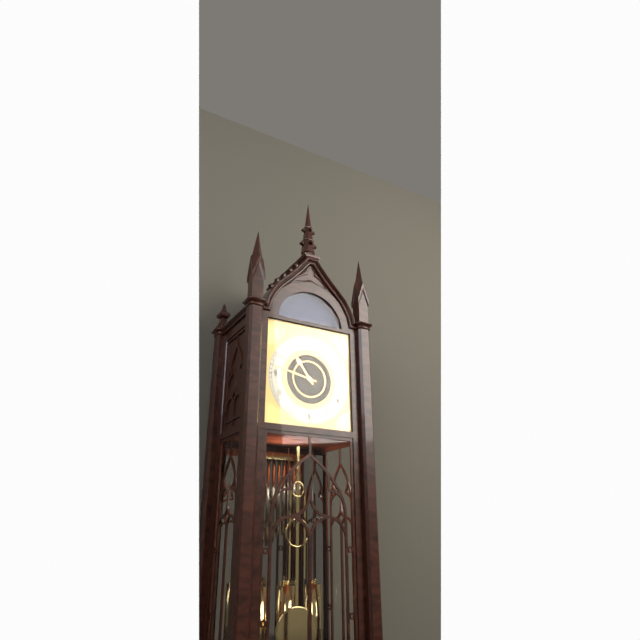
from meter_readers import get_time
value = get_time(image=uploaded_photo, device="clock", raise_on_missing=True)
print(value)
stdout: 10:47
